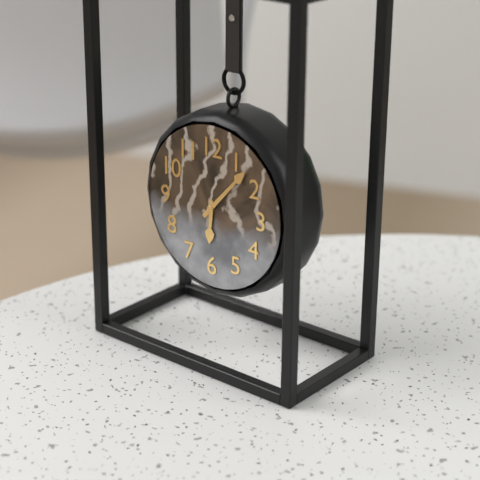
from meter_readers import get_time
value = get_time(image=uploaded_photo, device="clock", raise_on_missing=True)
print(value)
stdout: 6:07
